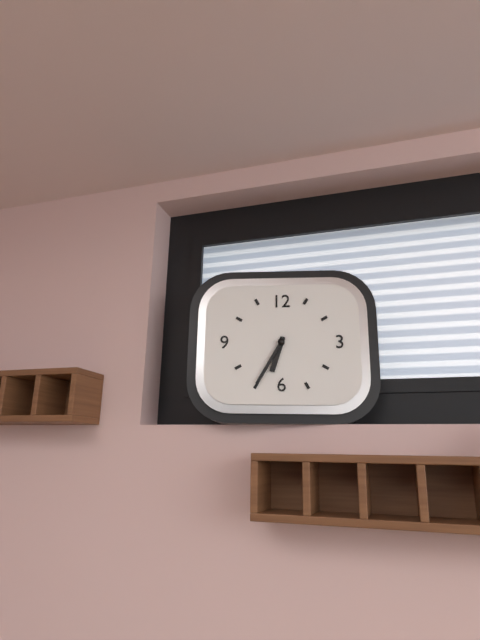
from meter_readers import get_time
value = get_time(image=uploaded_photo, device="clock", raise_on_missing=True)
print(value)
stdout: 6:35
